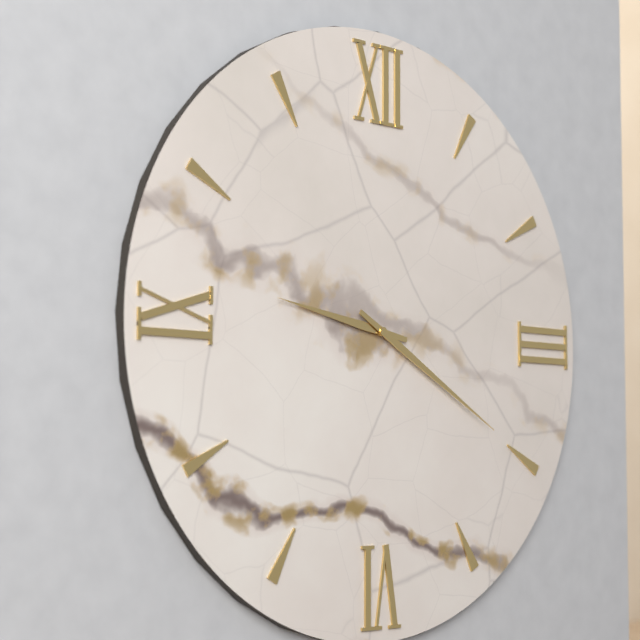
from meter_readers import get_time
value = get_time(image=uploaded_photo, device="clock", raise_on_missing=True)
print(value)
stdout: 9:20
